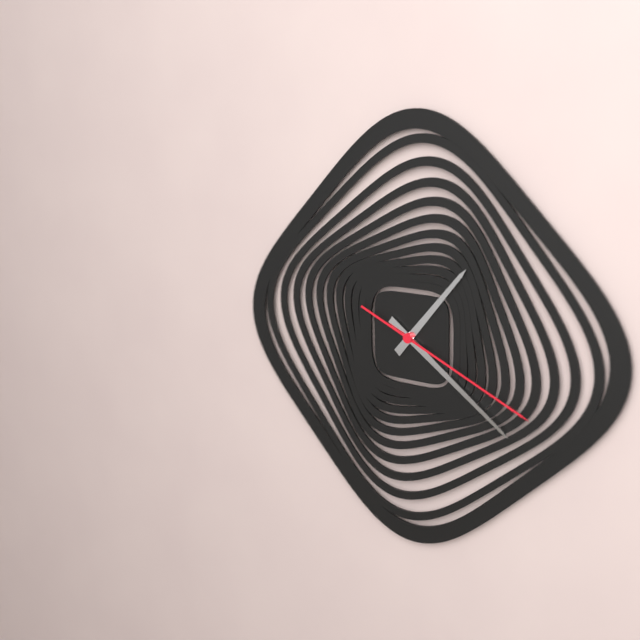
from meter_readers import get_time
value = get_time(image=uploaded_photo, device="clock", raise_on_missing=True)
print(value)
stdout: 1:21:19
